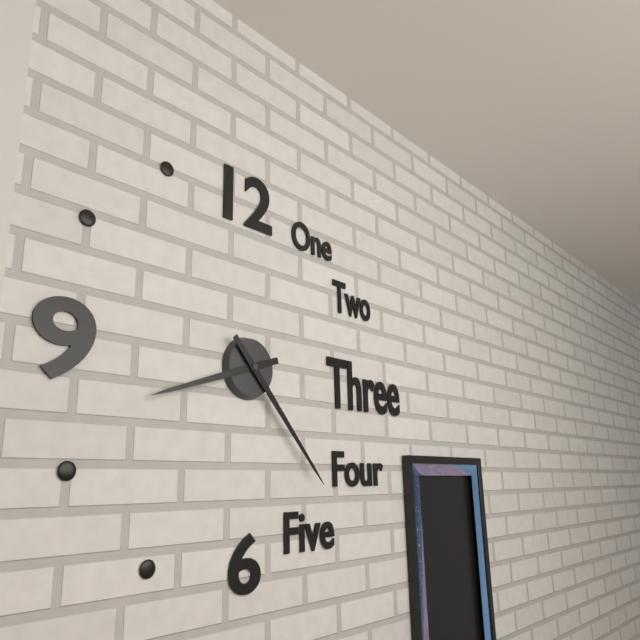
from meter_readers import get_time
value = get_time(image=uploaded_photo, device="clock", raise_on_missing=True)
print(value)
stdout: 8:23
